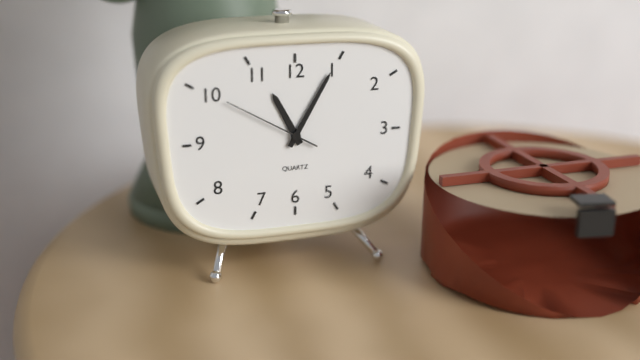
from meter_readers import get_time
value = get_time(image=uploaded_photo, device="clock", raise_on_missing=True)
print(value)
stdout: 11:05:50
